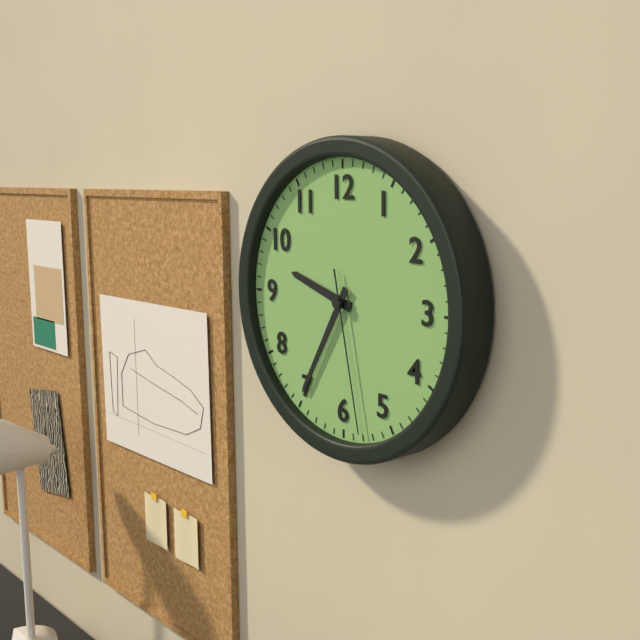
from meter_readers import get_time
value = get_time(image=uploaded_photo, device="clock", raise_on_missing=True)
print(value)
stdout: 9:35:28
